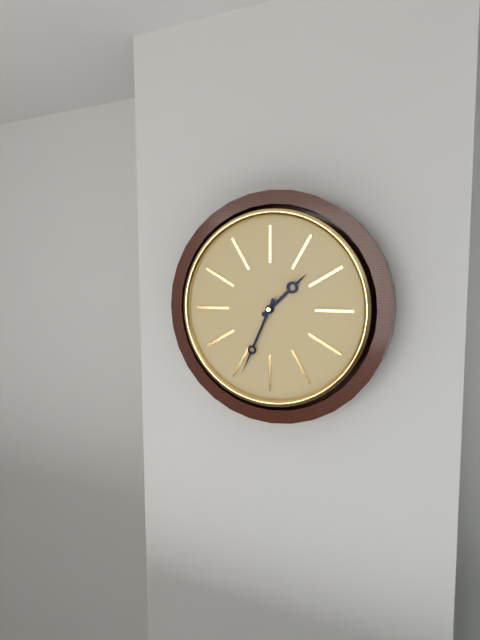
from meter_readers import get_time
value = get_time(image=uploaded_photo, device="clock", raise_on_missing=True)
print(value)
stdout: 1:34
